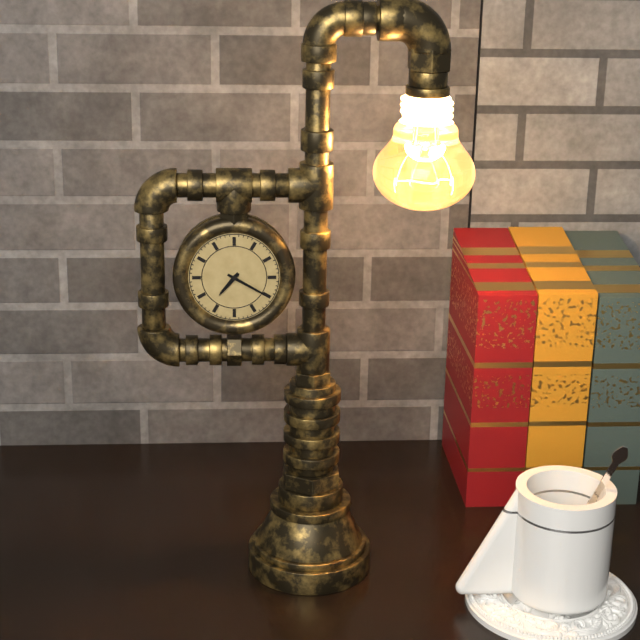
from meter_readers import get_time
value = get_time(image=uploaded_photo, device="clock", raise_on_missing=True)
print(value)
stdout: 7:20
